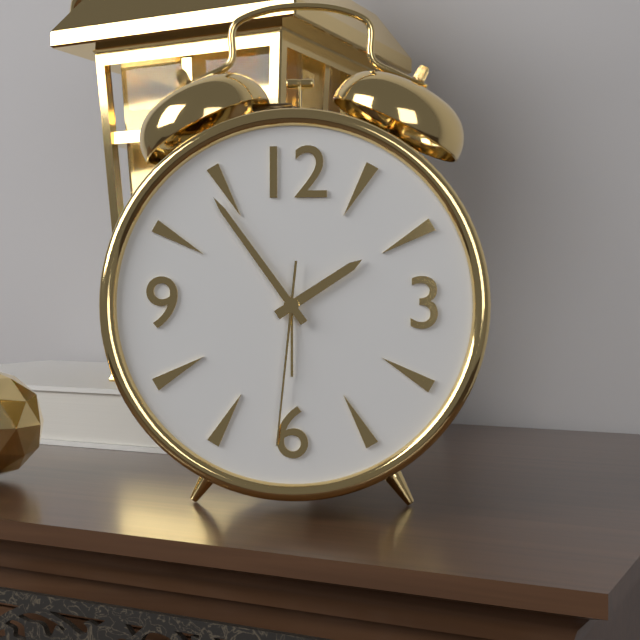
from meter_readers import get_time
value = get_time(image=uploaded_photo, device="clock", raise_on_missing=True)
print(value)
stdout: 1:54:31
